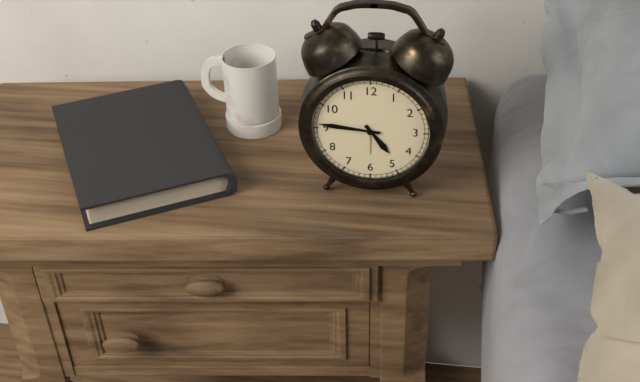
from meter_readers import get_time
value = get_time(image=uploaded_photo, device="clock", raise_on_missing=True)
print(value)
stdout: 4:46
